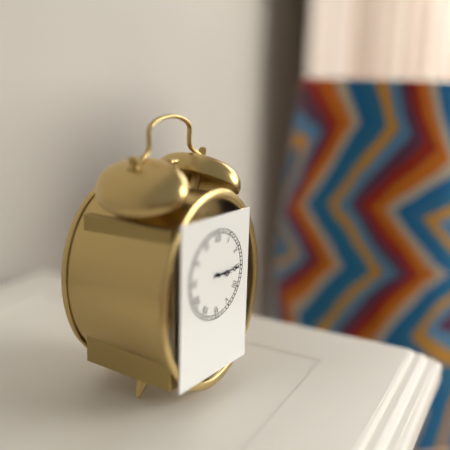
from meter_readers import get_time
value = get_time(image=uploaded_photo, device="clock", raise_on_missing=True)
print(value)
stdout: 3:15
